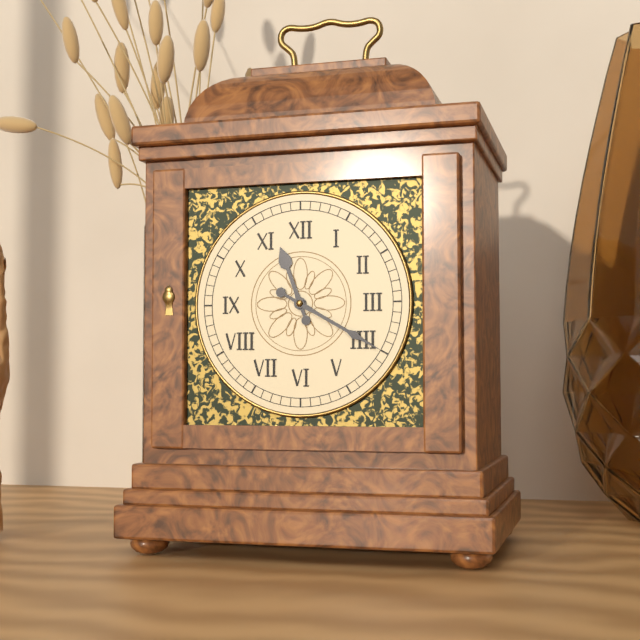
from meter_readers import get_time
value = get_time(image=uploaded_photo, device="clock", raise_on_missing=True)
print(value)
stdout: 11:20
